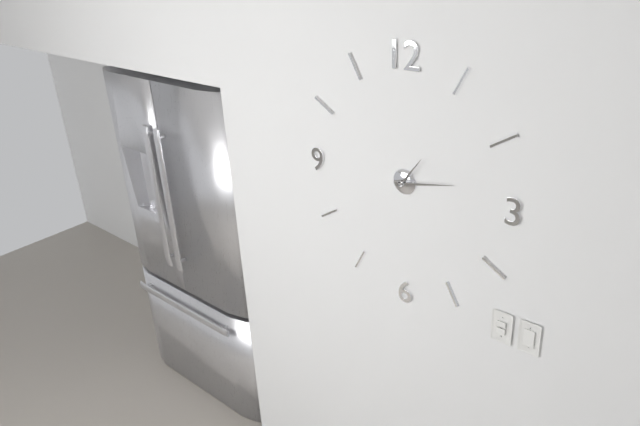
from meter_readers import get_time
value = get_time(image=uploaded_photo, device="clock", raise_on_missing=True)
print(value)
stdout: 1:13
